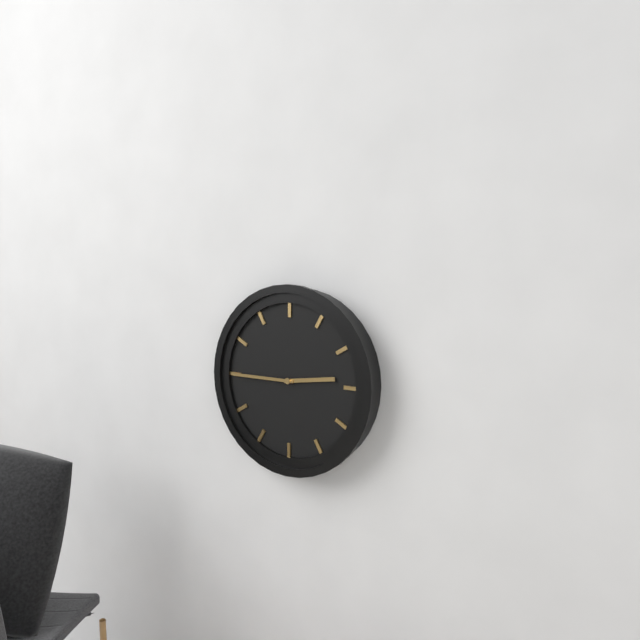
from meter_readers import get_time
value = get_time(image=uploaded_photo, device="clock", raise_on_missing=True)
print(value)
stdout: 2:45
